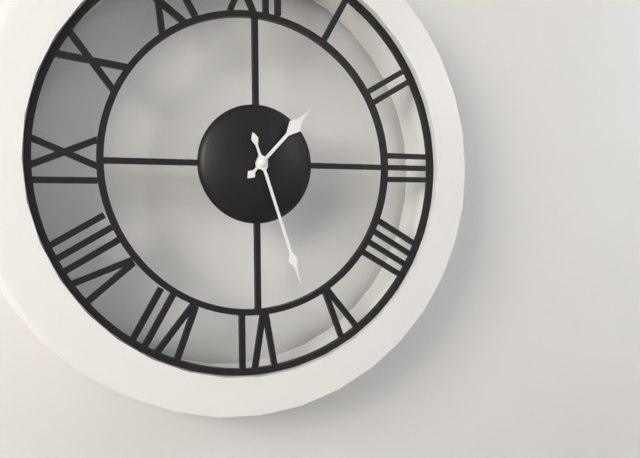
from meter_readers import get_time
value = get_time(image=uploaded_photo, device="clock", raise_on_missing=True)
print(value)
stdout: 1:27
